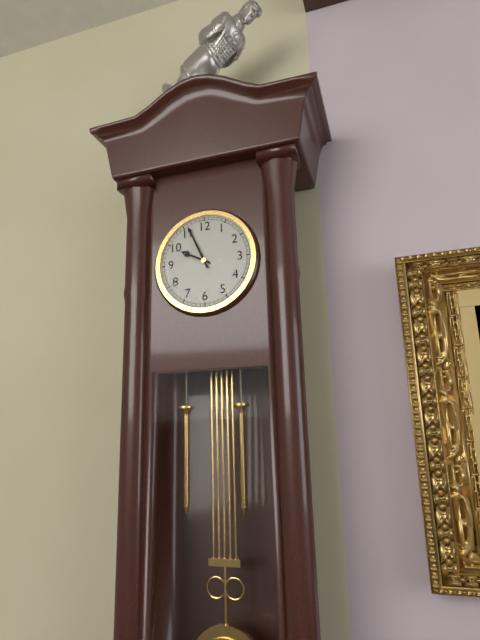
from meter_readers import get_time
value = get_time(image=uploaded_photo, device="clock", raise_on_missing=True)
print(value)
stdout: 9:56
